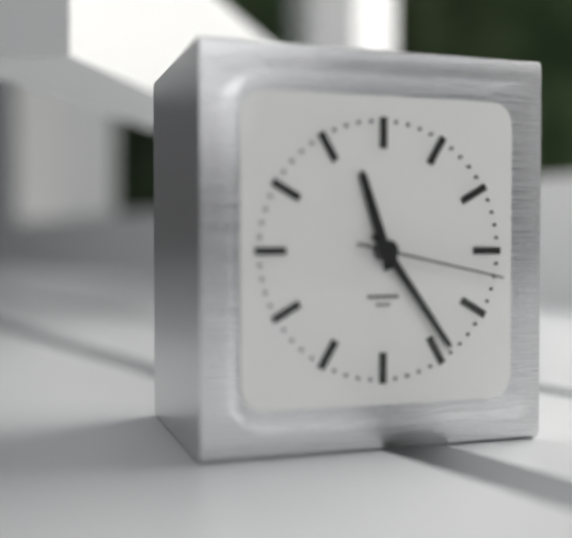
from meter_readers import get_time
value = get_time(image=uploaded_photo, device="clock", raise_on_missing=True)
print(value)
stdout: 11:24:17
